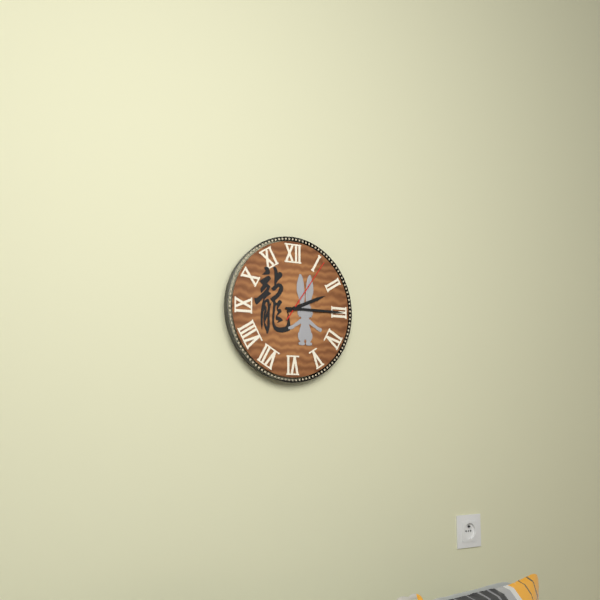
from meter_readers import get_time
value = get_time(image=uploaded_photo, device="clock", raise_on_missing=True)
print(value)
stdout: 2:15:06
